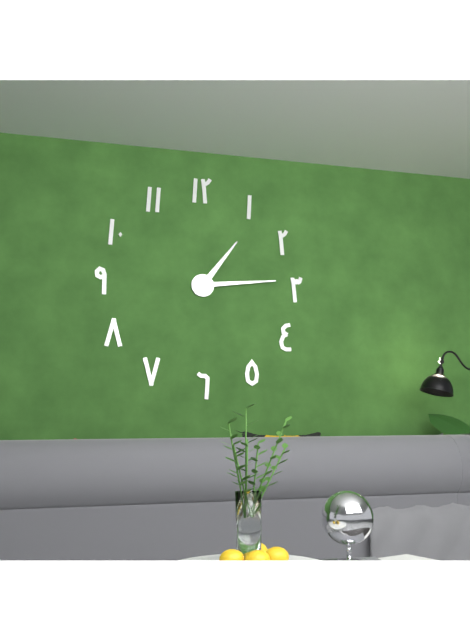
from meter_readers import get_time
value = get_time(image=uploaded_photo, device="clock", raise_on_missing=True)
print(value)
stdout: 1:14
